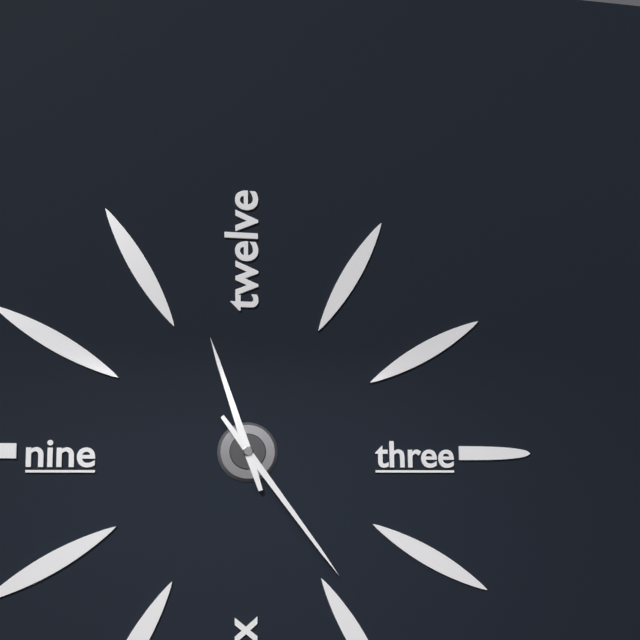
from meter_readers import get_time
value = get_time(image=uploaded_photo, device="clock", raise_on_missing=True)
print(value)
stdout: 11:24
